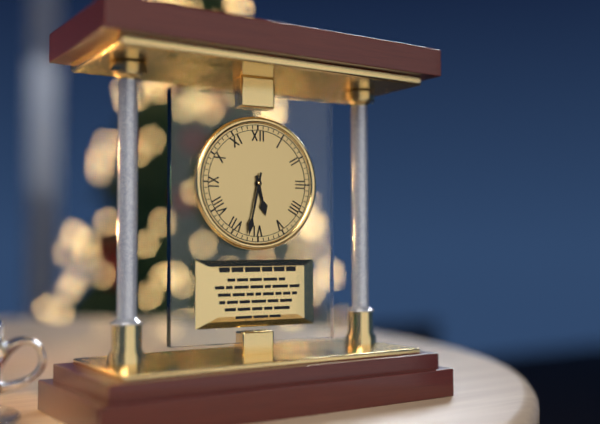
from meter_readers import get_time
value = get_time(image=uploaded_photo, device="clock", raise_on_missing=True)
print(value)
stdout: 5:32
